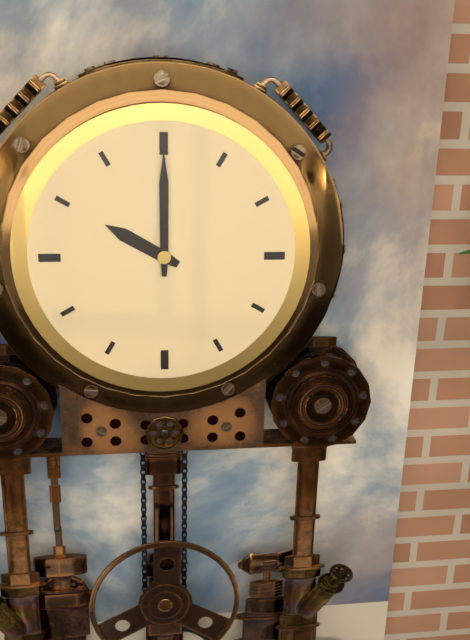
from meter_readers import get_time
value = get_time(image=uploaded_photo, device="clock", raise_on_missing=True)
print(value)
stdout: 10:00
